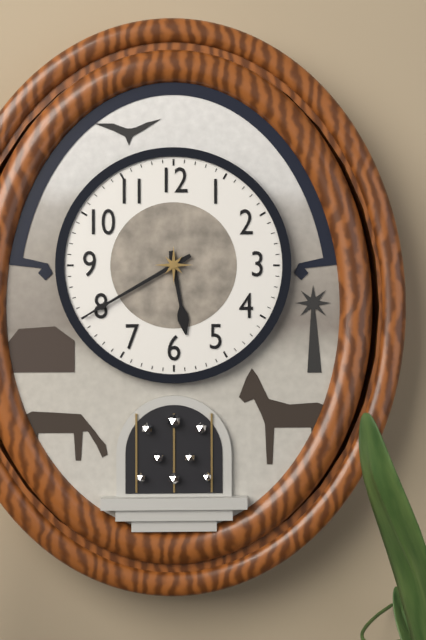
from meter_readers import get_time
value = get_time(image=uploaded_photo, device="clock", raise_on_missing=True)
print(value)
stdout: 5:40
